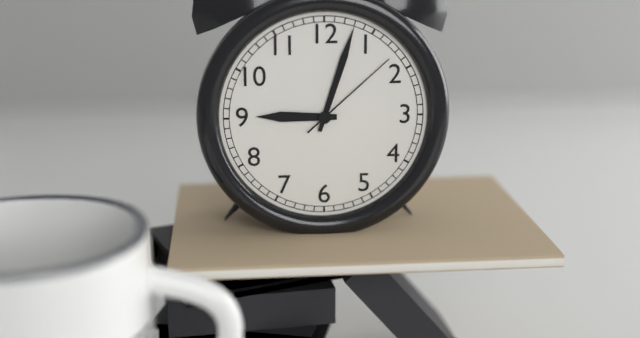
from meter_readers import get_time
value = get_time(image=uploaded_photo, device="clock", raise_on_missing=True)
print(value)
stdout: 9:03:08
